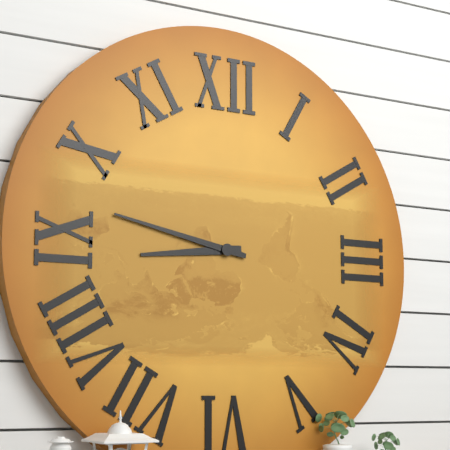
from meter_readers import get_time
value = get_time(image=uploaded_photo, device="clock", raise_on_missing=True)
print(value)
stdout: 8:47
